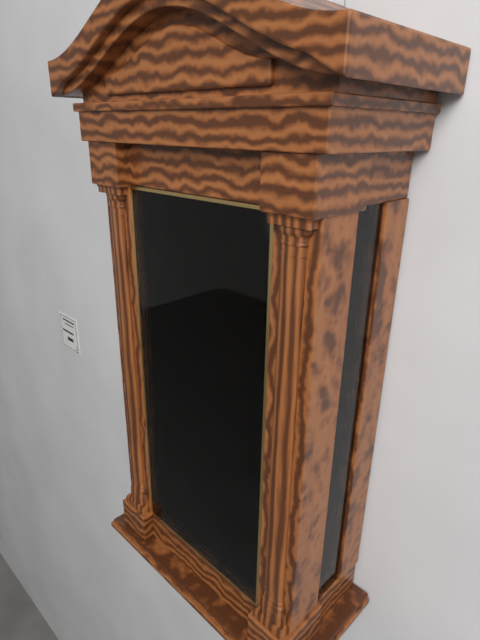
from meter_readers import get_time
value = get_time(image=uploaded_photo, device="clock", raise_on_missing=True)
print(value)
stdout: 3:55
